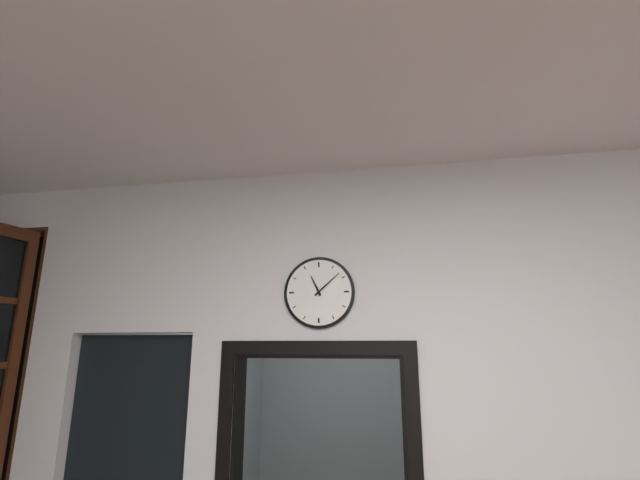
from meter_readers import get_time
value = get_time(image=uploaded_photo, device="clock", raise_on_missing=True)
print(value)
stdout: 11:08
